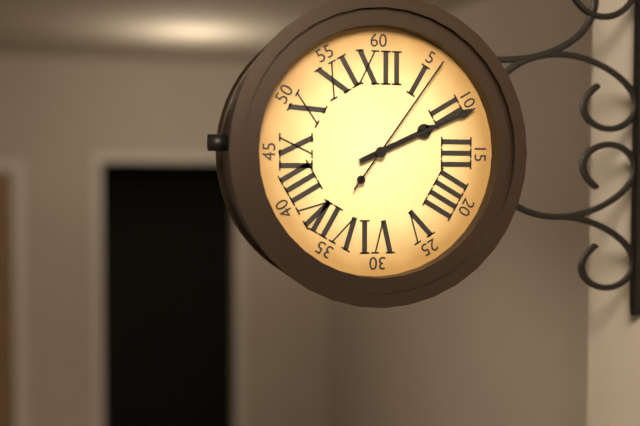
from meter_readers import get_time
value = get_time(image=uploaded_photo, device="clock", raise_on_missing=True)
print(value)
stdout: 2:11:06
